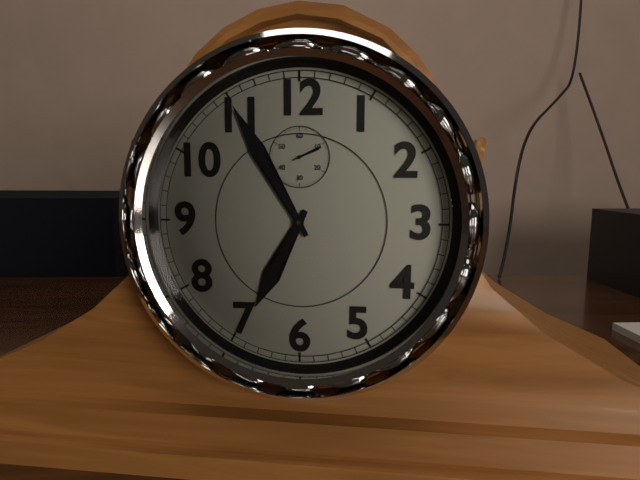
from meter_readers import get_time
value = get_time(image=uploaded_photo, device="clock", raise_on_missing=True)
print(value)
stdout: 6:55
